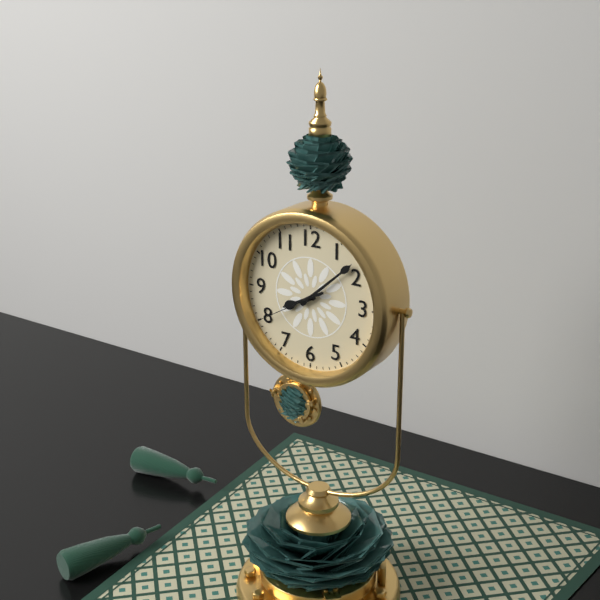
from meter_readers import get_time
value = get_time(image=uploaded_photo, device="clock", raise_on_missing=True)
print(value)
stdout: 8:08:40
